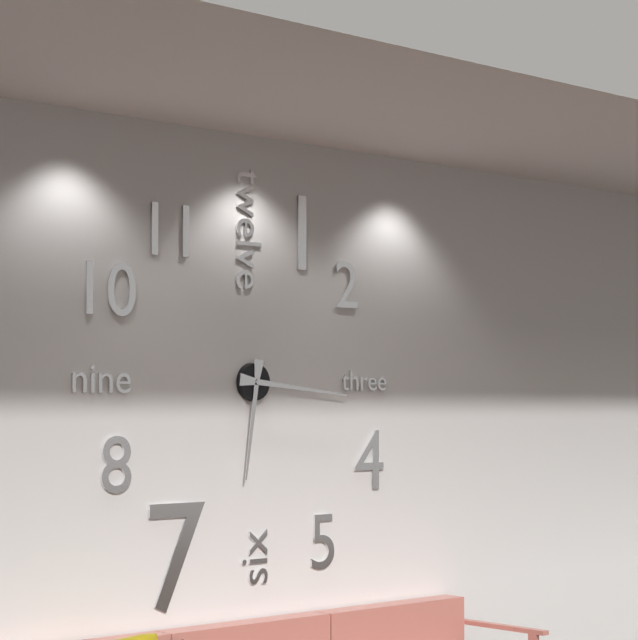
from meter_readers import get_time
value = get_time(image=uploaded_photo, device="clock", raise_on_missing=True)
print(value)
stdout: 6:16
